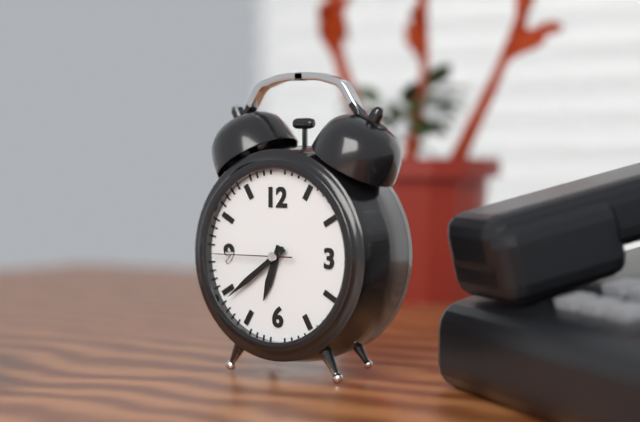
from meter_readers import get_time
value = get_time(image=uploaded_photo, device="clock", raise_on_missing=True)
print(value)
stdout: 6:39:45
